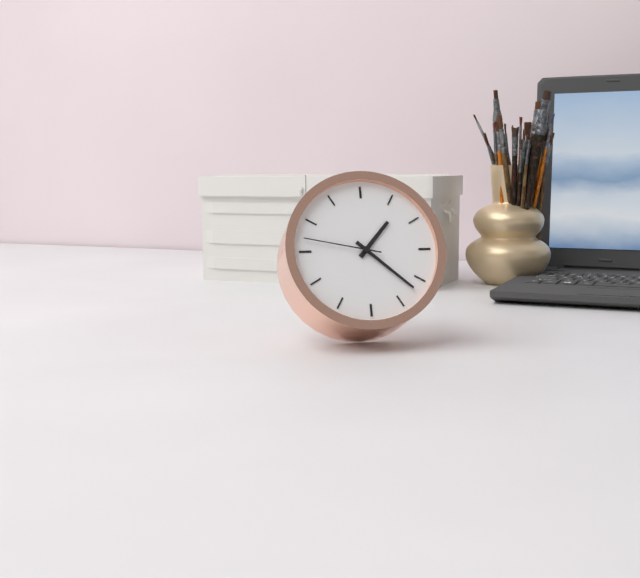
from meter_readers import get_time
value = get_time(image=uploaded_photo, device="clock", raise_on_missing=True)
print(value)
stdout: 1:22:47
